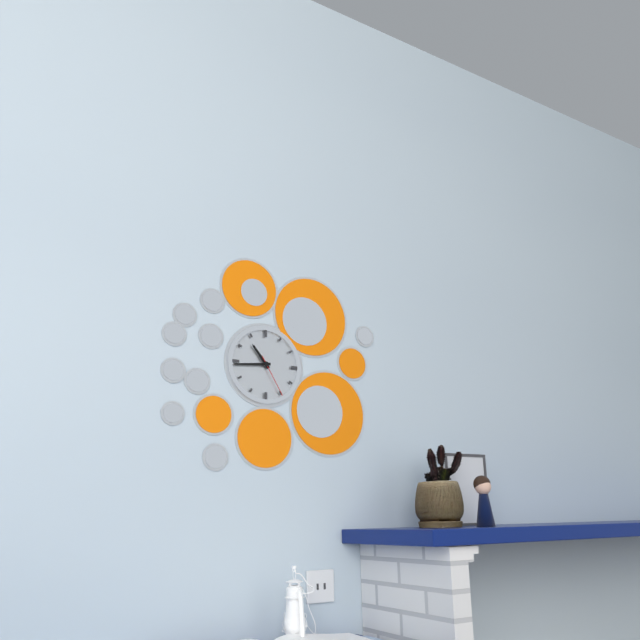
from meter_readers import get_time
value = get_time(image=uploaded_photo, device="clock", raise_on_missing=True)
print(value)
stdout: 10:44
